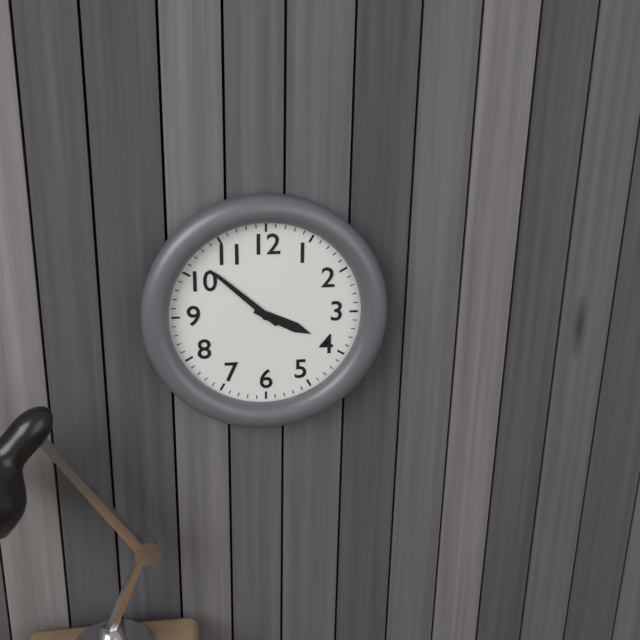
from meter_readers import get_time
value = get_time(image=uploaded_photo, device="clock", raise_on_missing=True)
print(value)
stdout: 3:52
